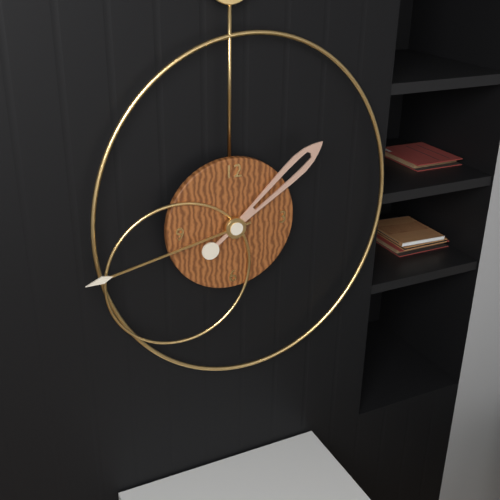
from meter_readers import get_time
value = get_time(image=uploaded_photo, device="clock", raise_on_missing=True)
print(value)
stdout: 1:43
